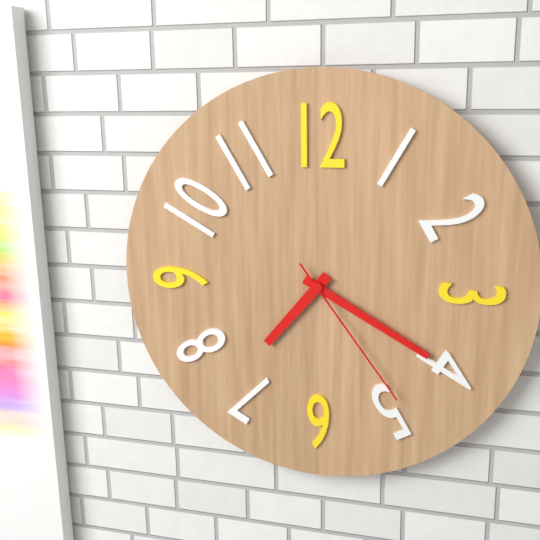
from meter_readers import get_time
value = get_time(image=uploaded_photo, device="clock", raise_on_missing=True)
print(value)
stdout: 7:20:24
